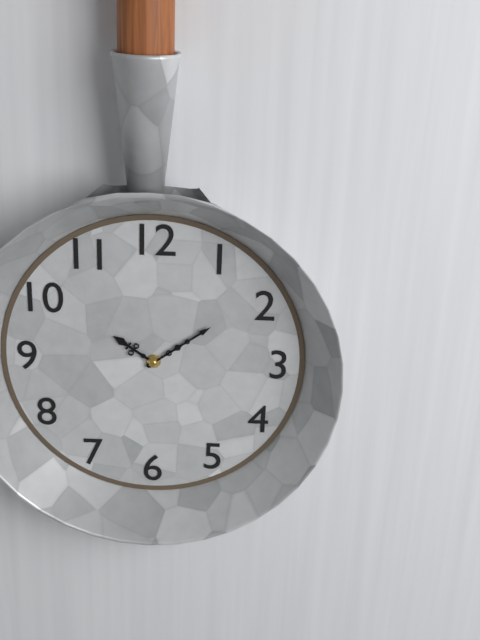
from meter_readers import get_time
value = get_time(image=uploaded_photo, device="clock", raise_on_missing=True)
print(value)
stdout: 10:09
